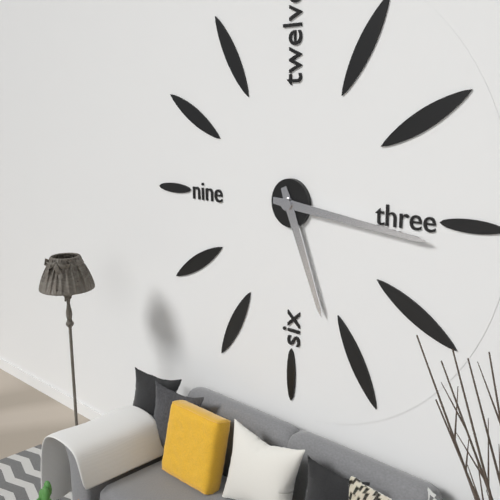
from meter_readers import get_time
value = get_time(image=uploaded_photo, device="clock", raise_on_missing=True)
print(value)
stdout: 5:16
